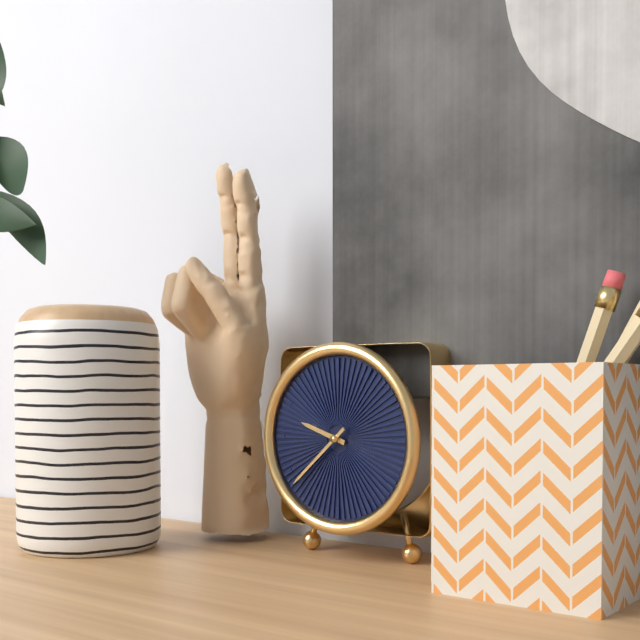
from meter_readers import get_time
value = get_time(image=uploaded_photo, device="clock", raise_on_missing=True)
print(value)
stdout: 9:38
